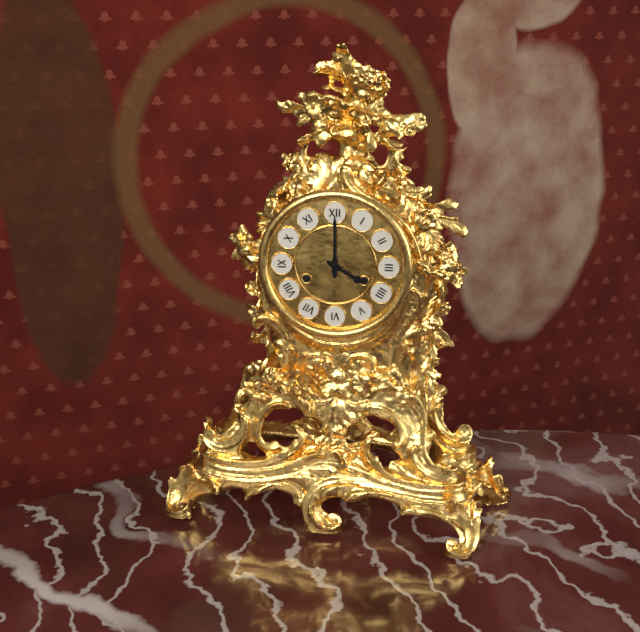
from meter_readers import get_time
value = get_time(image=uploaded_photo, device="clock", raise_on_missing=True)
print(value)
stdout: 4:00
